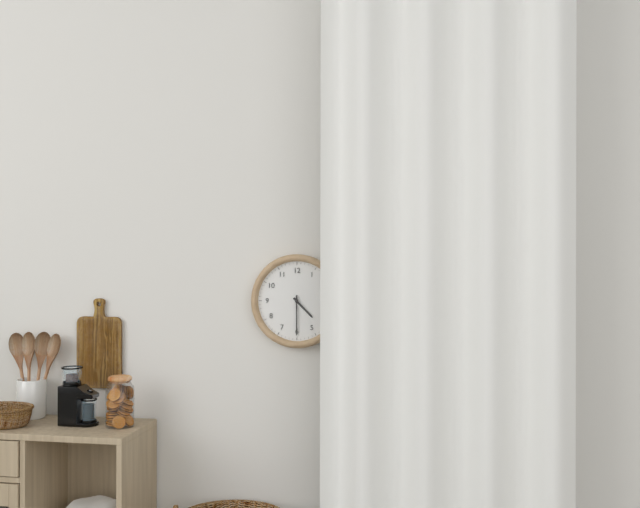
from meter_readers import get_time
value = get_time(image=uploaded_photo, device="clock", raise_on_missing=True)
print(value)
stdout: 4:30
